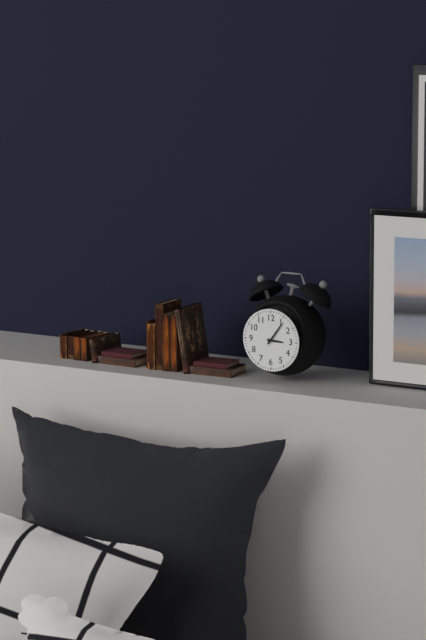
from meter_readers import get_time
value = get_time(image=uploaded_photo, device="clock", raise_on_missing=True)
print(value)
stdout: 3:06
